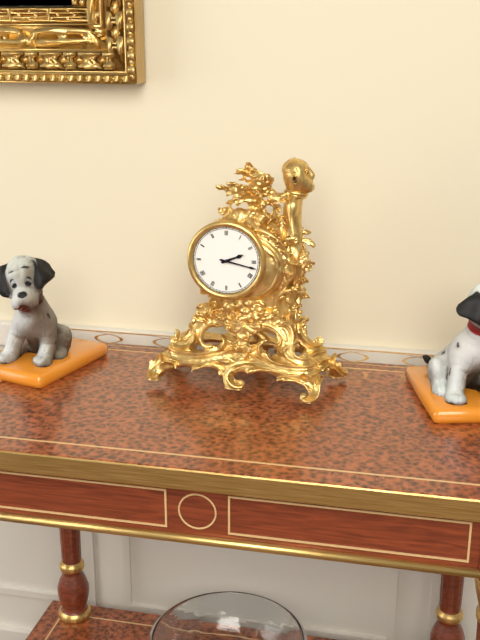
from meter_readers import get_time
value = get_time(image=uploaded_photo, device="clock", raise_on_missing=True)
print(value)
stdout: 2:17
